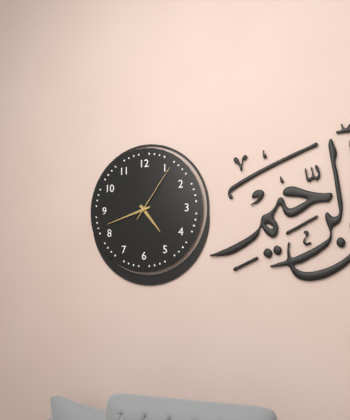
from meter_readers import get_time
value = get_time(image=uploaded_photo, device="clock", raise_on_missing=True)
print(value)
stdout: 4:42:06
